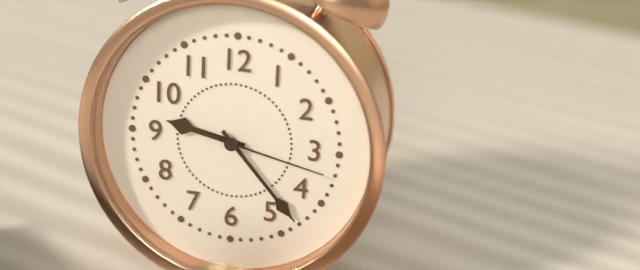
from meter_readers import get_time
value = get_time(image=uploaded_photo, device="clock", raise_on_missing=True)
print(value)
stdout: 9:23:17
